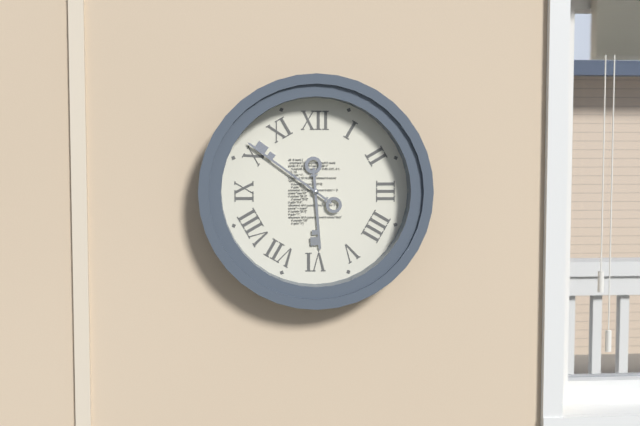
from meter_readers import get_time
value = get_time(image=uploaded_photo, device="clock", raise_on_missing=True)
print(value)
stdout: 5:51
